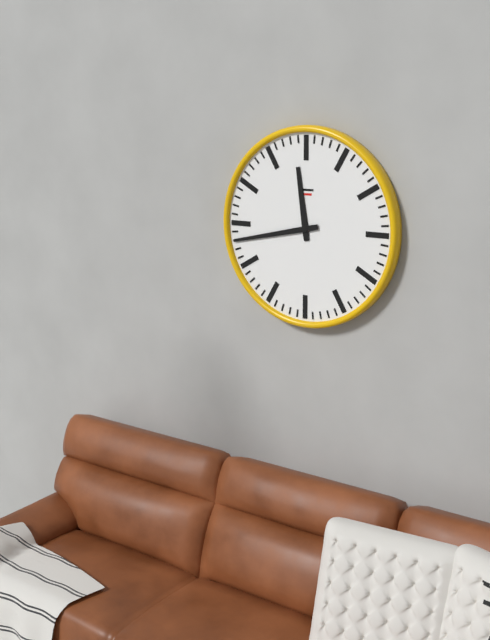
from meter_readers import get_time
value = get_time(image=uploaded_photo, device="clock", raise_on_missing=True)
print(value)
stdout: 11:43
